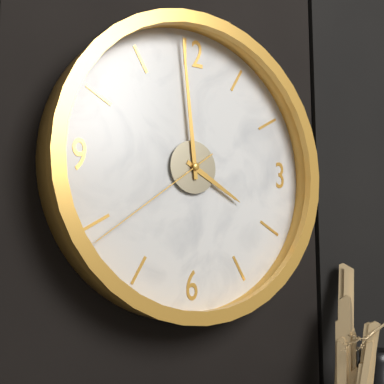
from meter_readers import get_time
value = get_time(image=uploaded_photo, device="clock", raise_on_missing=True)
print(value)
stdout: 3:59:39
